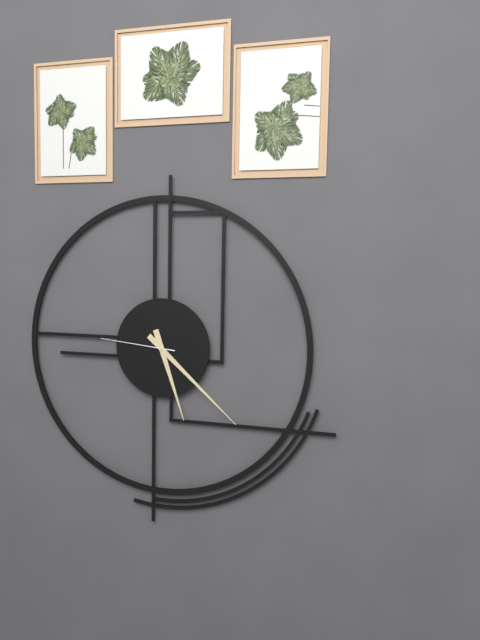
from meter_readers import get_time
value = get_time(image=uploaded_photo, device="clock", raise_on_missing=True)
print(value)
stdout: 5:22:46
